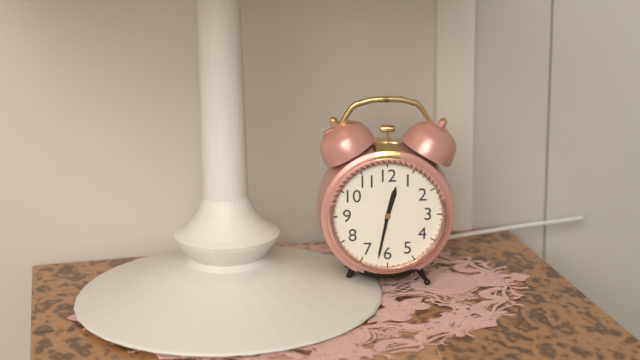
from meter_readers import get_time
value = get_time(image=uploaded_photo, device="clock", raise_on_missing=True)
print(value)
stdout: 12:32
